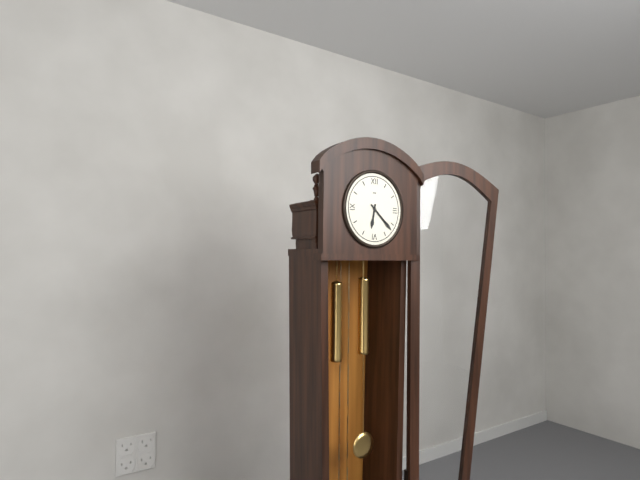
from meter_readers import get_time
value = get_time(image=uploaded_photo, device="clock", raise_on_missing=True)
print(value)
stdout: 6:22
